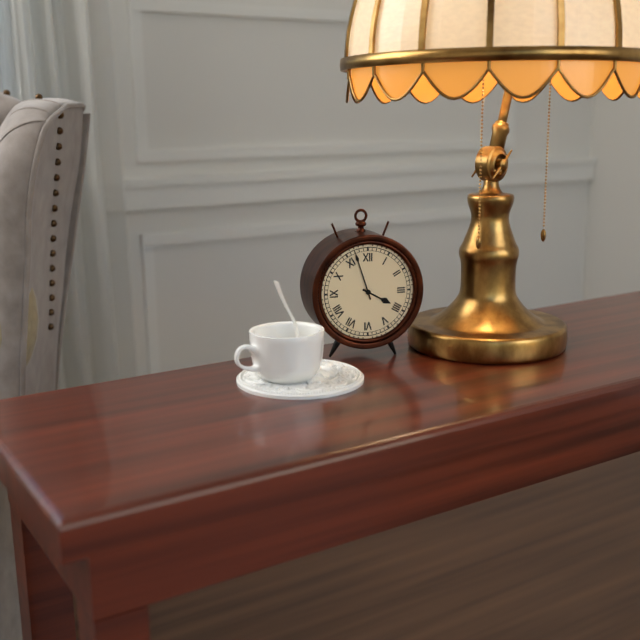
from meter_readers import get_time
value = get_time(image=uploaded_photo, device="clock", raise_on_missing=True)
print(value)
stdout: 3:57
